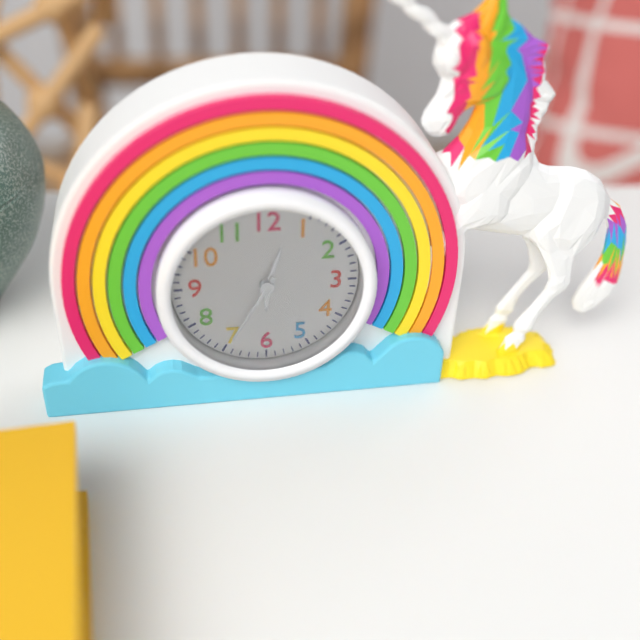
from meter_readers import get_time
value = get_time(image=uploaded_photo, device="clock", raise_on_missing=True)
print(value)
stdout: 12:35
